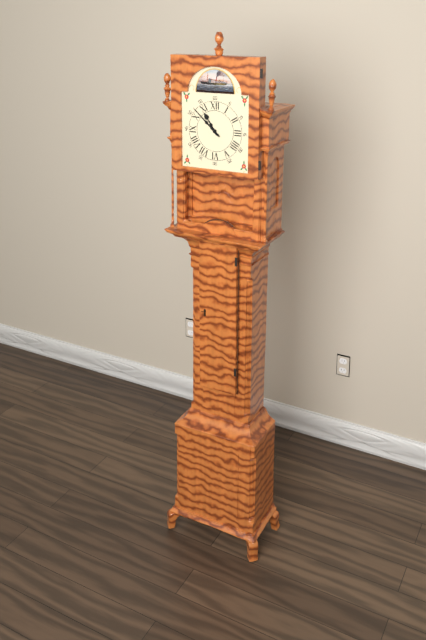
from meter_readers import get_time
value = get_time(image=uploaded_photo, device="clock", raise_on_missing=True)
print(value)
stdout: 10:52
